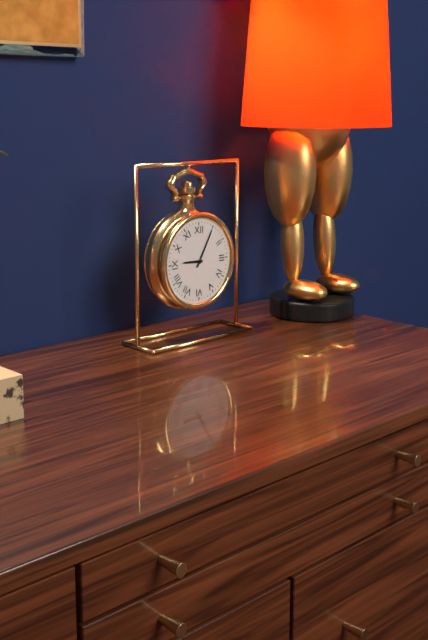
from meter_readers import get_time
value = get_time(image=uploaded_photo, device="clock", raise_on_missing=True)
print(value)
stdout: 9:05
